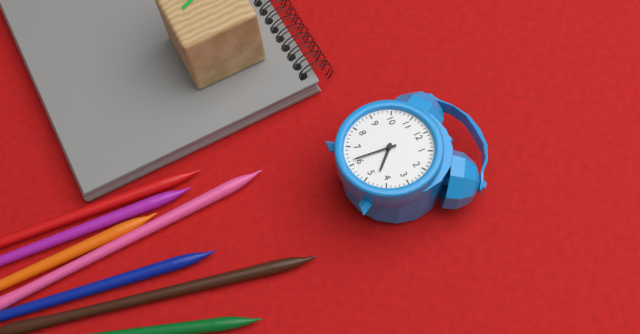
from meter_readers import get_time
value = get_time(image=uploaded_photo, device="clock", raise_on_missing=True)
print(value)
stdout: 4:31
